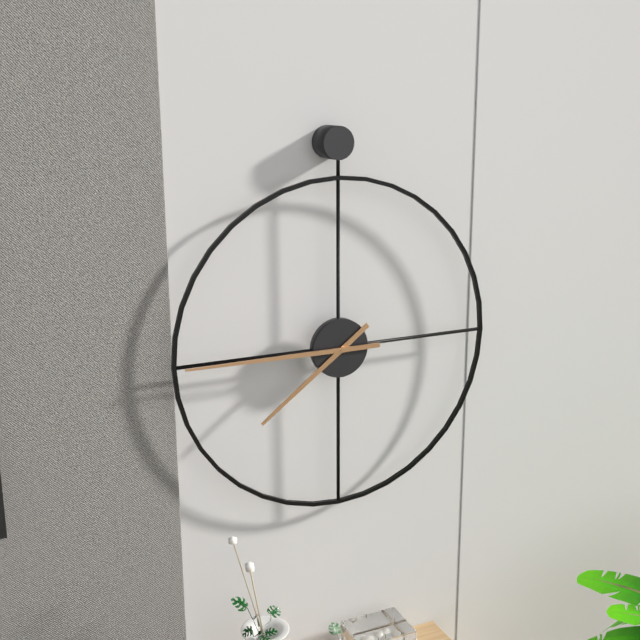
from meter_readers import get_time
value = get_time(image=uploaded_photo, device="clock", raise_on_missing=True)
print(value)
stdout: 7:45
